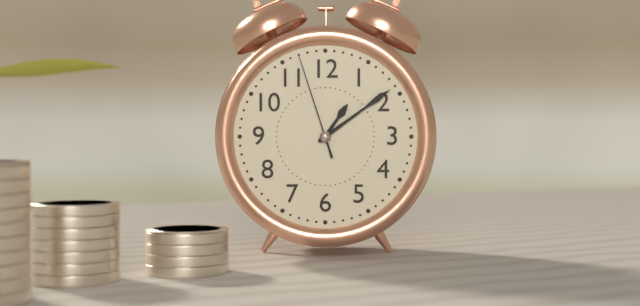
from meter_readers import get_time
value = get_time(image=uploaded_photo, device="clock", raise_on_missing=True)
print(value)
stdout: 1:09:57
